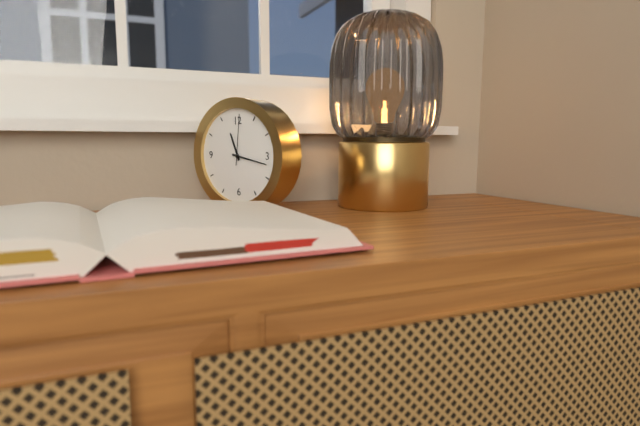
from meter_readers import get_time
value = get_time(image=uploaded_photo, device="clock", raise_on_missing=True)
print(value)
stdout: 11:17:01
